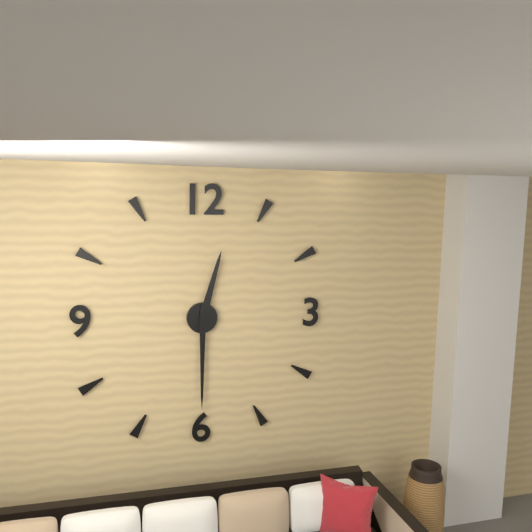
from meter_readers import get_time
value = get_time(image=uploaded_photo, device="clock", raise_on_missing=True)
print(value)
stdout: 12:30
